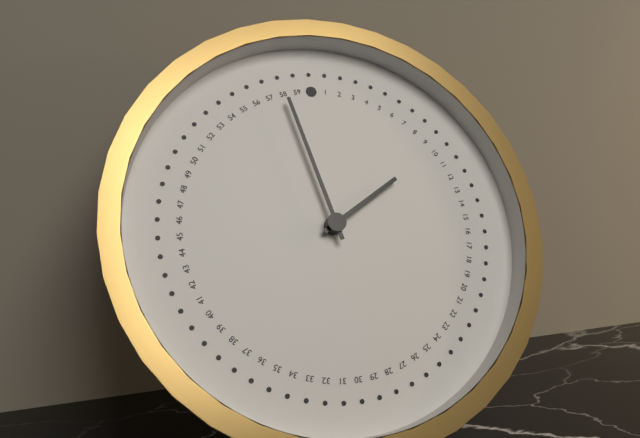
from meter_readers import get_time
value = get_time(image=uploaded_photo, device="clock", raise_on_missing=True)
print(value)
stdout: 1:58
